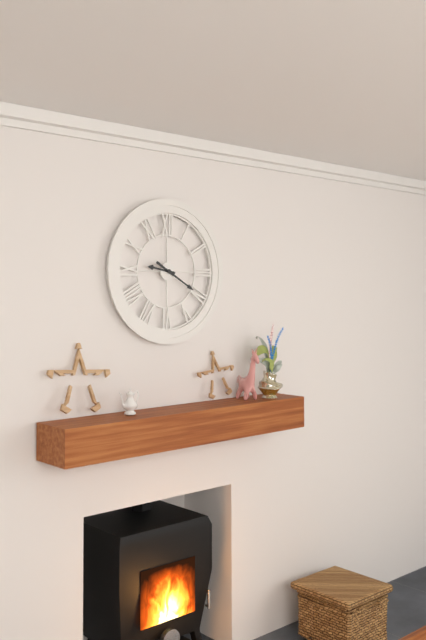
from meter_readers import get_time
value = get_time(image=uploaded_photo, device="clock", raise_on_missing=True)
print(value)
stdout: 9:20
